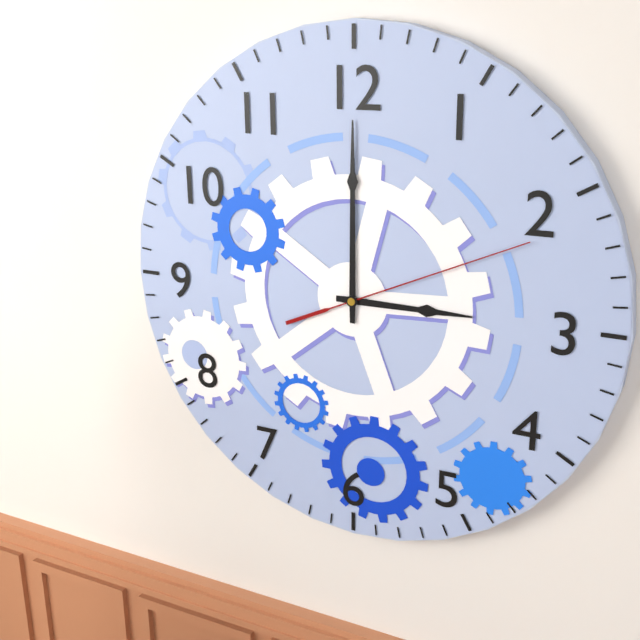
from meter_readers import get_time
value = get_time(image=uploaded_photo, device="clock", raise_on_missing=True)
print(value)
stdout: 3:00:11
